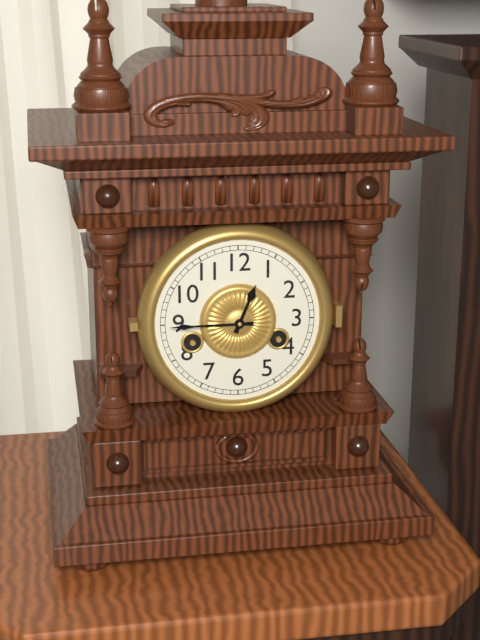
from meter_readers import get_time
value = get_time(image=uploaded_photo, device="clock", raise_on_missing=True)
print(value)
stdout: 12:45
